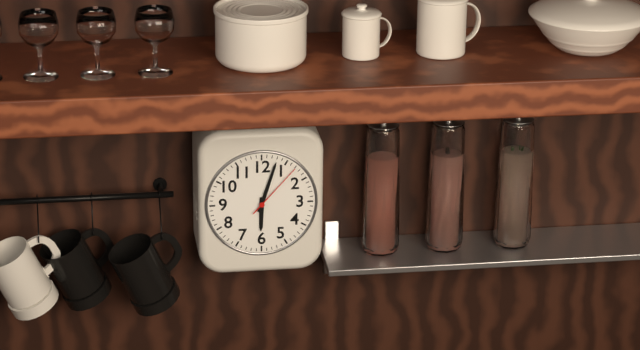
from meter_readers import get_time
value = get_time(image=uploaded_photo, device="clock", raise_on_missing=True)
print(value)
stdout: 6:03:07
